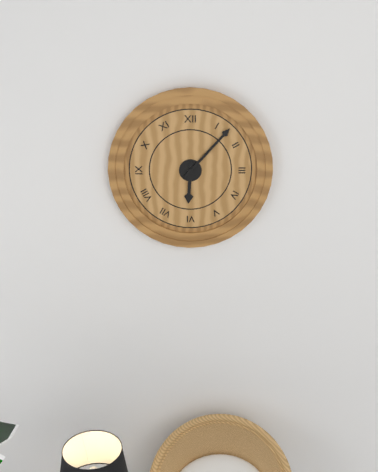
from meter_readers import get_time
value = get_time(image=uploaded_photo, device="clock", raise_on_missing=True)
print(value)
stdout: 6:07
